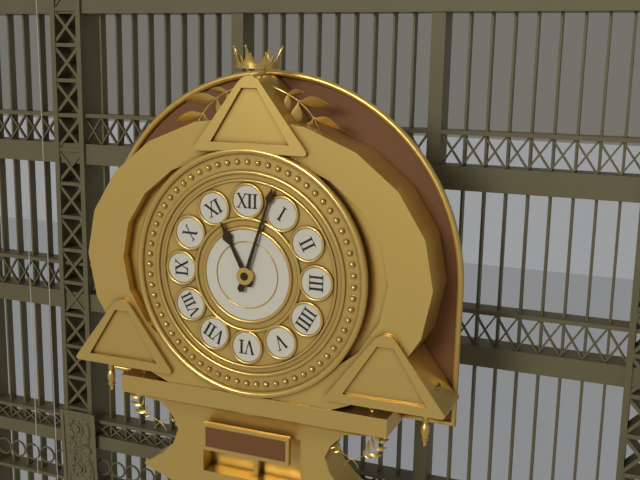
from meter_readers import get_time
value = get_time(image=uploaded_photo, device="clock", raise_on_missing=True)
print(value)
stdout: 11:03
